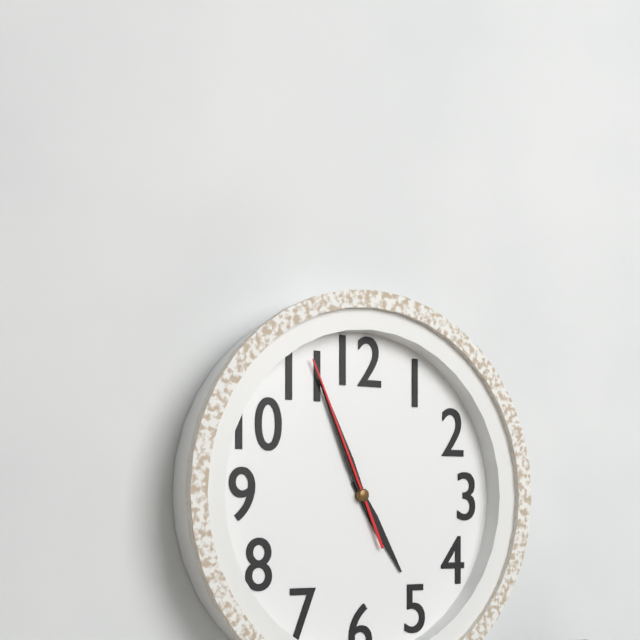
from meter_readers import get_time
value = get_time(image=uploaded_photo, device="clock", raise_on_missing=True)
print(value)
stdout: 4:56:56
